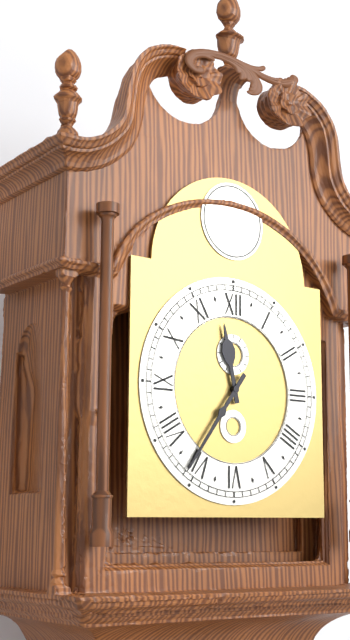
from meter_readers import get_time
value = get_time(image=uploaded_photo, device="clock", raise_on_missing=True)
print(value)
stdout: 11:36
